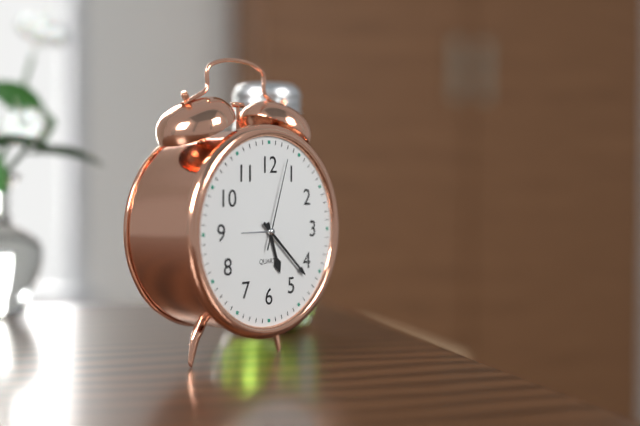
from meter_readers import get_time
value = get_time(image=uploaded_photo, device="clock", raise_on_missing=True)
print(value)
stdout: 5:22:03
